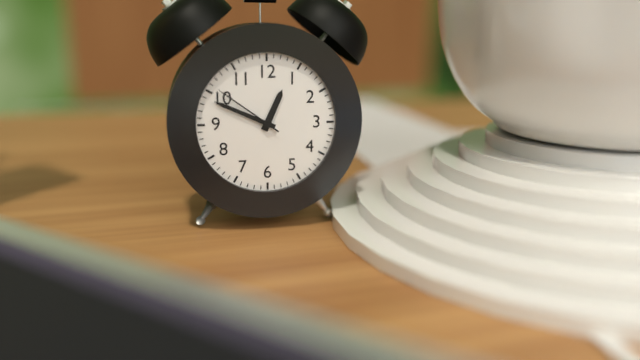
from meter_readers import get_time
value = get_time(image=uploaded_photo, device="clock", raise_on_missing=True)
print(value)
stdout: 12:49:51
